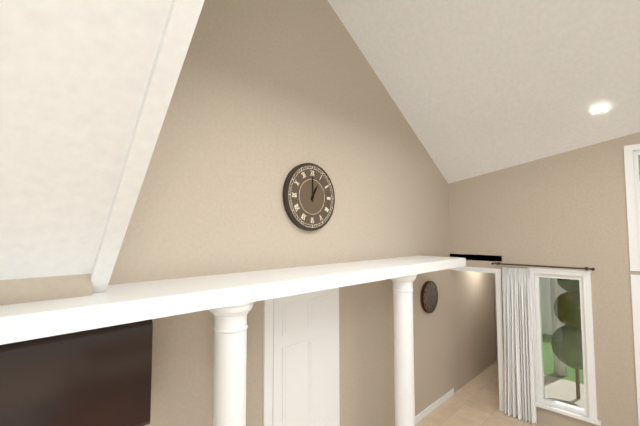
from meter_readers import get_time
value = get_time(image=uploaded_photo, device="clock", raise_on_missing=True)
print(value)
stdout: 1:00
